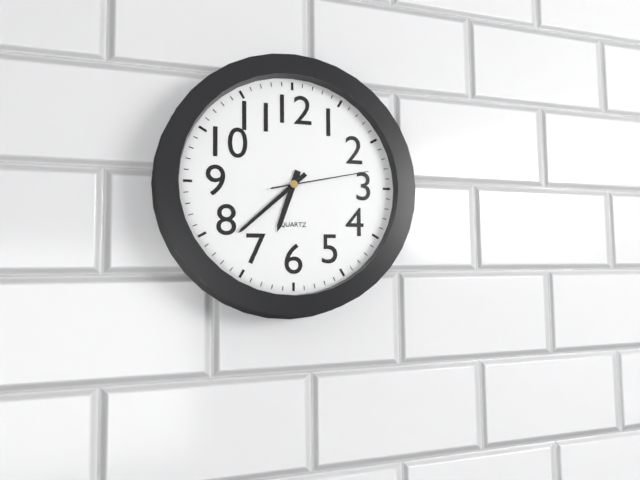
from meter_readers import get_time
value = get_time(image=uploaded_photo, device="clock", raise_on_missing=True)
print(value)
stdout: 6:38:13
